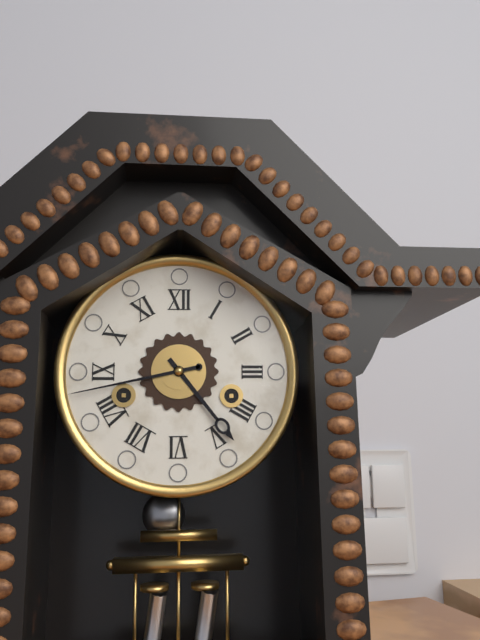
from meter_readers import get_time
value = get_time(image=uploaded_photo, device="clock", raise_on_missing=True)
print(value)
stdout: 4:43
